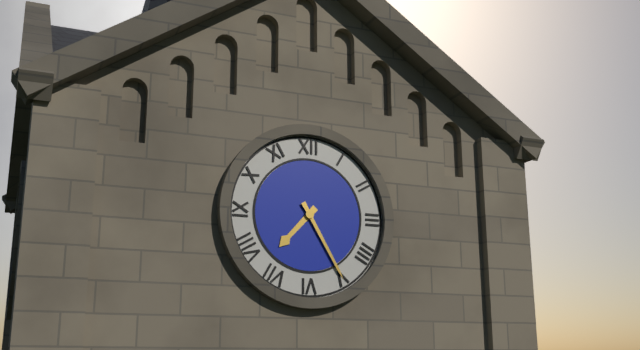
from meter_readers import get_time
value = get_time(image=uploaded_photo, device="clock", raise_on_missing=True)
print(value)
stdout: 7:25
